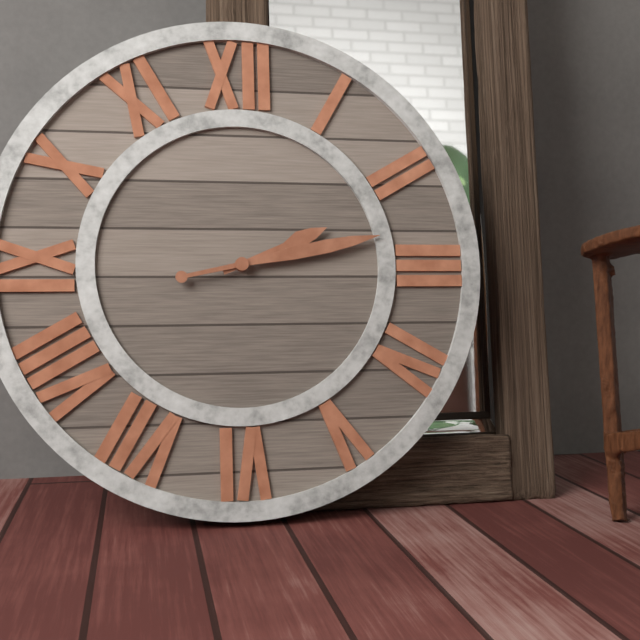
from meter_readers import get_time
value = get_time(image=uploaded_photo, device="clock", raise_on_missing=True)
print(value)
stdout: 2:13
